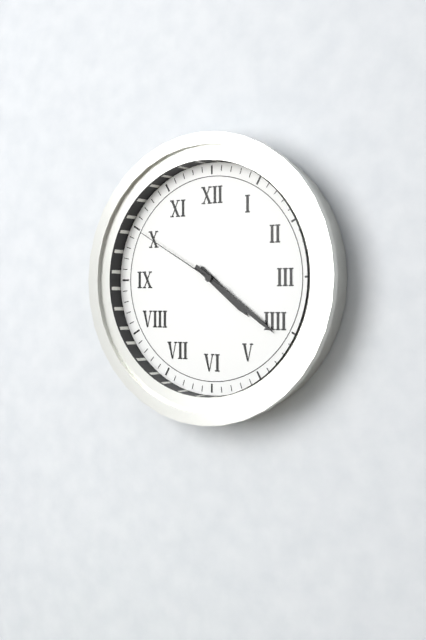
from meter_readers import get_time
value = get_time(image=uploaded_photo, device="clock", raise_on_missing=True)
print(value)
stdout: 4:21:50
